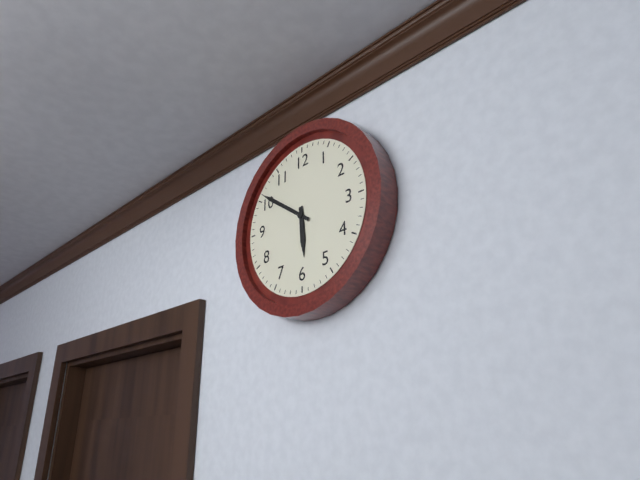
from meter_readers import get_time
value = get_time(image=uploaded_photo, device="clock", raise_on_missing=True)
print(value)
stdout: 5:51
